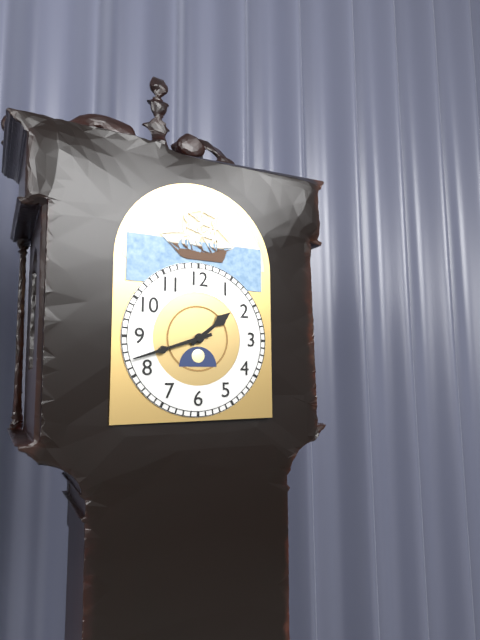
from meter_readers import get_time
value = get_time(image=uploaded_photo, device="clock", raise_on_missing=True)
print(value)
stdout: 1:42
